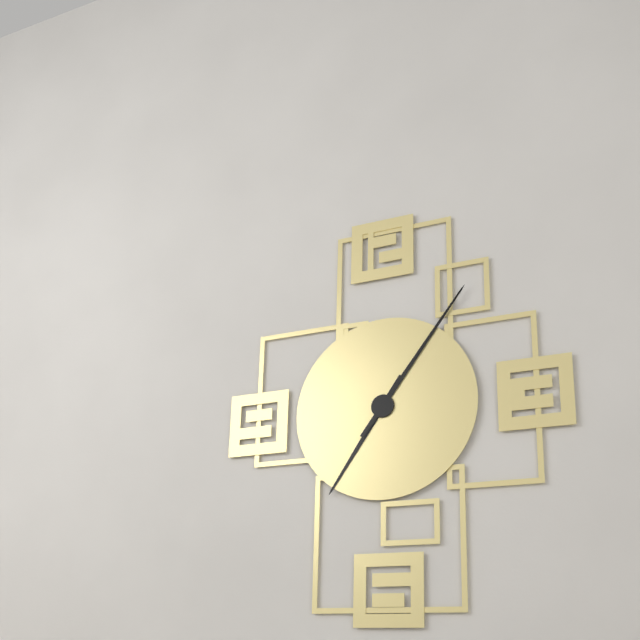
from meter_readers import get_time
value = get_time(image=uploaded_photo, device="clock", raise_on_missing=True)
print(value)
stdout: 7:06
